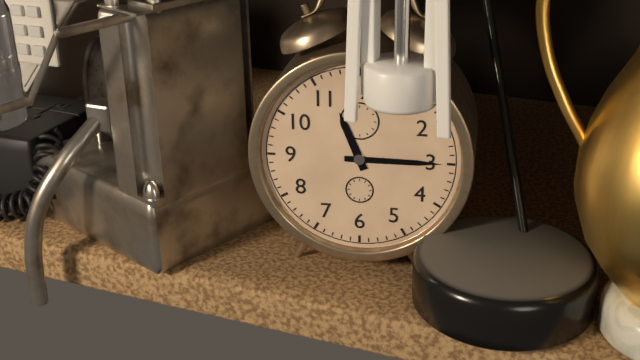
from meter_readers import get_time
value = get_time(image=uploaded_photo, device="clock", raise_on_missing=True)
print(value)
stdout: 11:15
